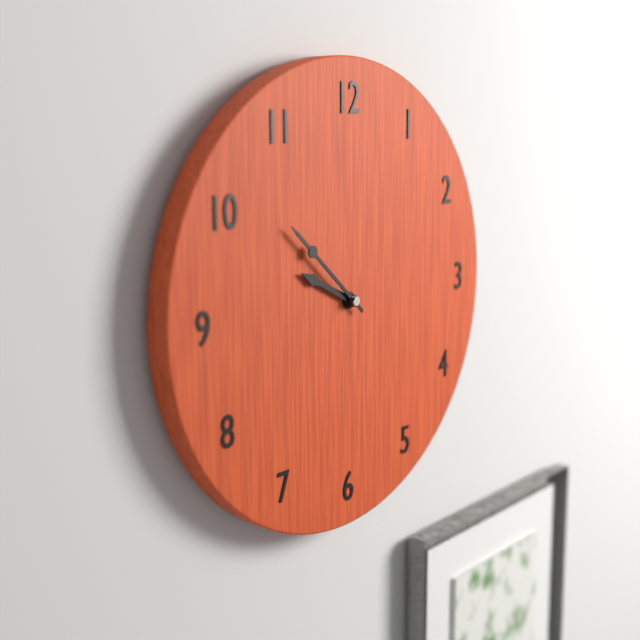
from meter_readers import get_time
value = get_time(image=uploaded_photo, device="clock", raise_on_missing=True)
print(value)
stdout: 9:52
